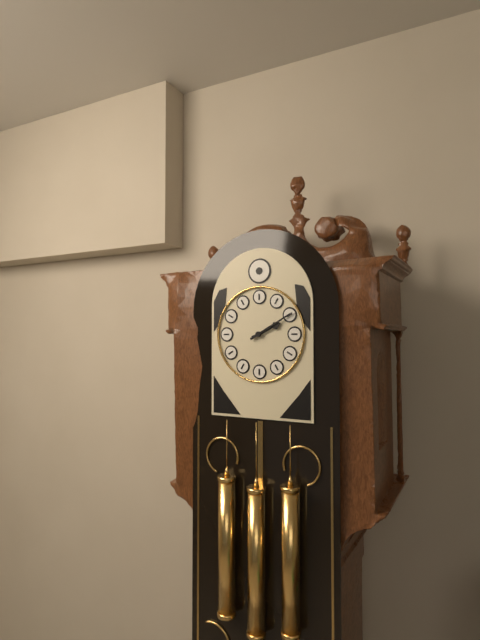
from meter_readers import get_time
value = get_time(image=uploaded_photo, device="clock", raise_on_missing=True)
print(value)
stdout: 2:10
